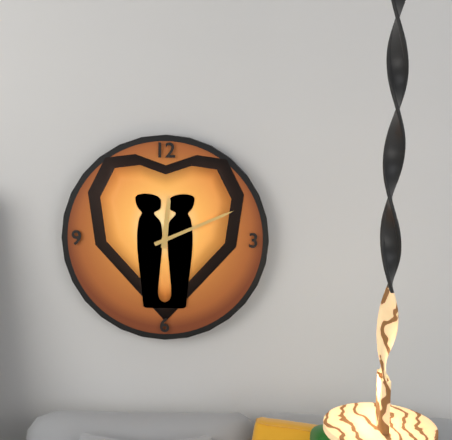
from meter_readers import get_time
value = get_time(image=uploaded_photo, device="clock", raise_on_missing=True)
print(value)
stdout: 12:11
